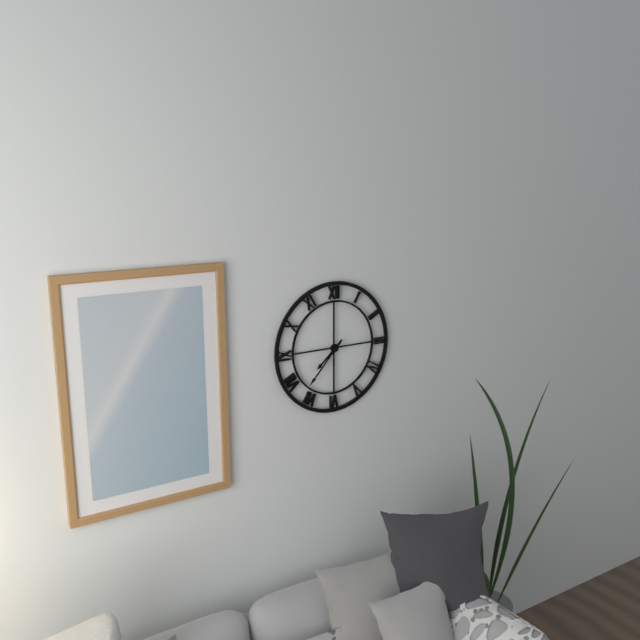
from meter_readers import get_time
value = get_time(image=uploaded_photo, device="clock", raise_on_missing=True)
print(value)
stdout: 7:37
